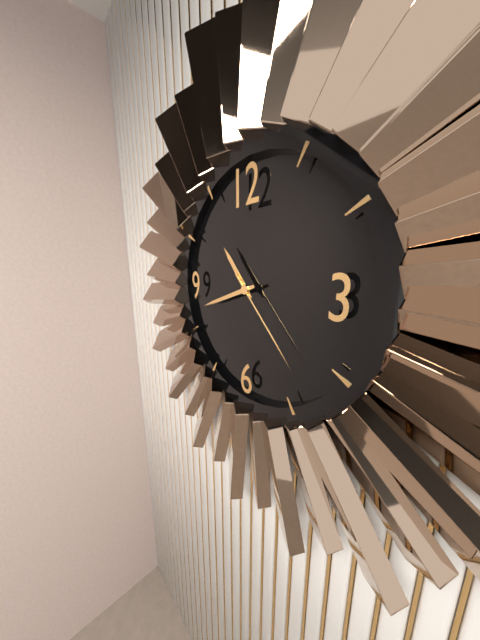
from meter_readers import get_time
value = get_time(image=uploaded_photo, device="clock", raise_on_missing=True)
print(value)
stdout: 10:42:23
